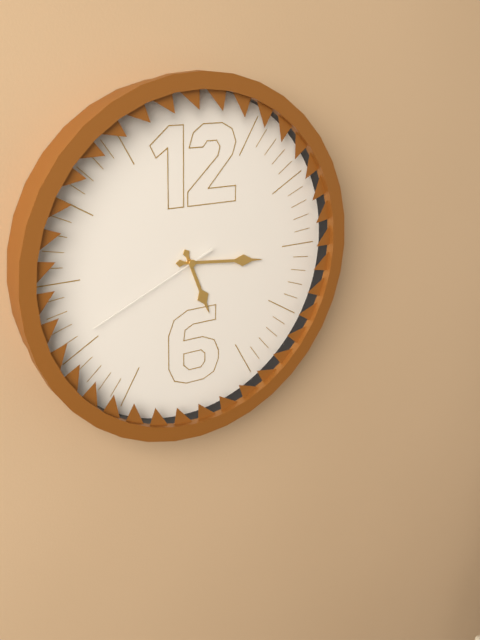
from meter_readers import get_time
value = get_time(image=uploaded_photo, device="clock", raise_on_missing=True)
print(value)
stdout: 5:16:41
